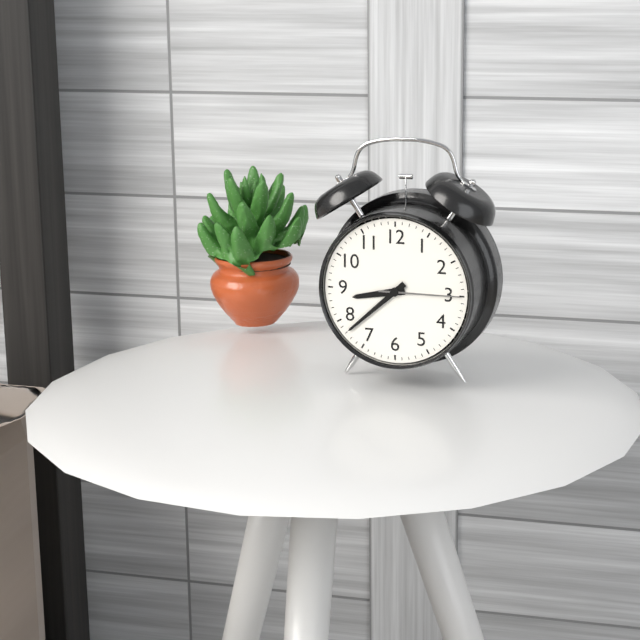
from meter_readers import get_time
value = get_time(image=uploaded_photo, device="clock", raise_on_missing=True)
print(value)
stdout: 8:38:15
